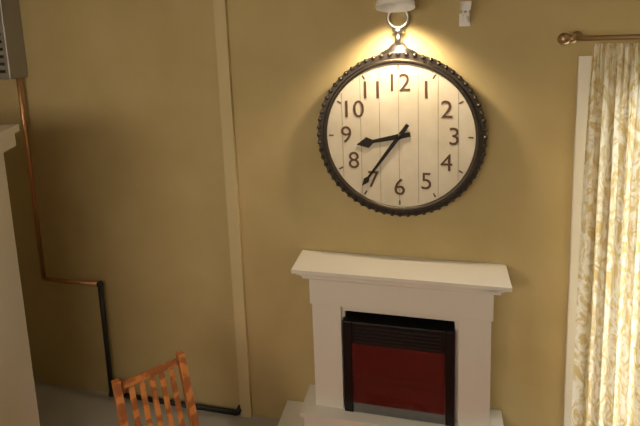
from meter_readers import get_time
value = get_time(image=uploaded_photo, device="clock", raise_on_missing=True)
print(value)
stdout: 8:36
